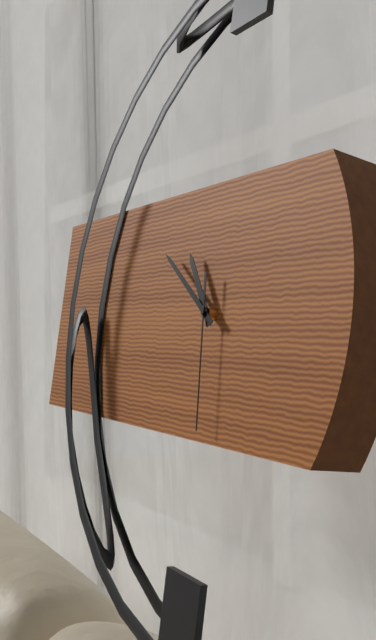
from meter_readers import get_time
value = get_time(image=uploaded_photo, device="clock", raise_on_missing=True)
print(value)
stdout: 10:51:29
